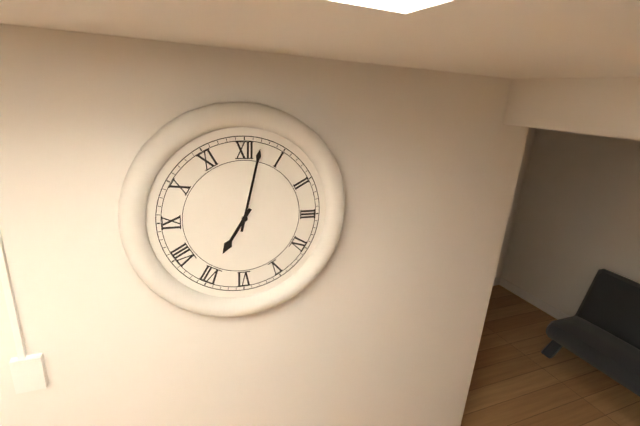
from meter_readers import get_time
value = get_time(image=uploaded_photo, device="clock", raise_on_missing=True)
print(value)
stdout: 7:02
